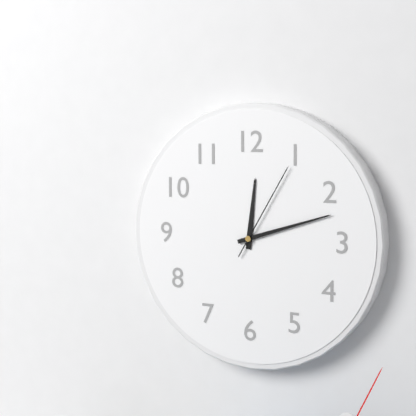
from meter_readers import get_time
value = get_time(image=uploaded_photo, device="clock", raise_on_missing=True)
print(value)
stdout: 12:12:05
